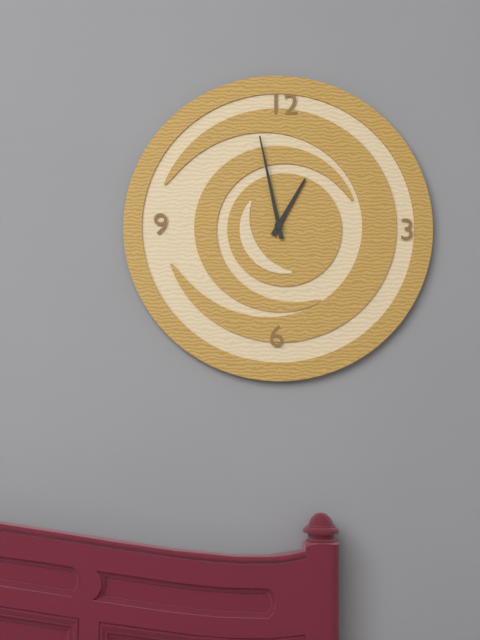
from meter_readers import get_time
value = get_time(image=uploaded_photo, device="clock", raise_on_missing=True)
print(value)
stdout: 12:58
